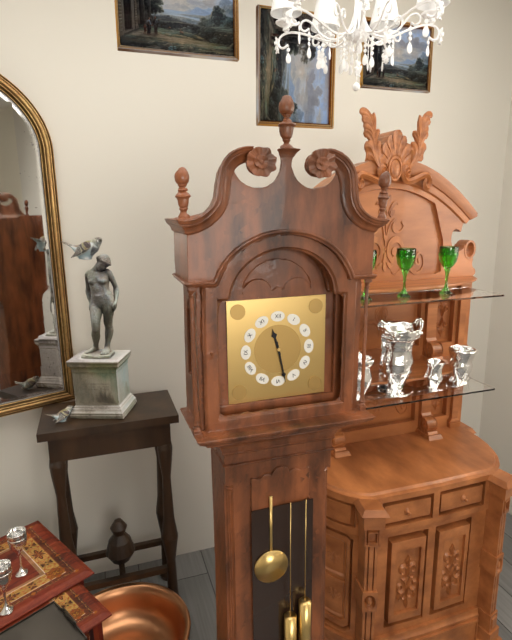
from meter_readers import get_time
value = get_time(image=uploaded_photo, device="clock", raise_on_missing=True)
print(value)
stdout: 11:28
